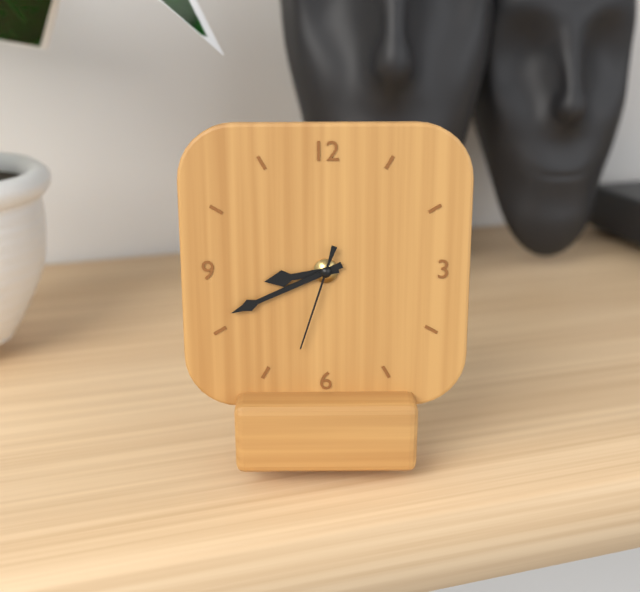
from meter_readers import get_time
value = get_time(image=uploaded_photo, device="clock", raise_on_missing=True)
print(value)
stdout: 8:41:33
